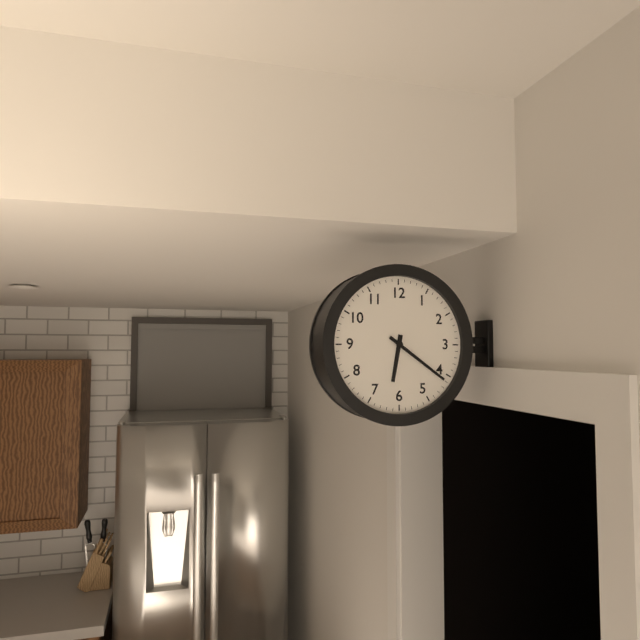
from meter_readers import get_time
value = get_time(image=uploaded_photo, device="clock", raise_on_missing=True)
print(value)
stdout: 6:21
